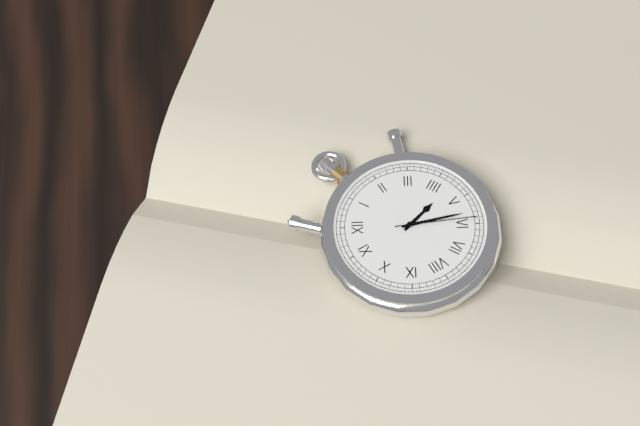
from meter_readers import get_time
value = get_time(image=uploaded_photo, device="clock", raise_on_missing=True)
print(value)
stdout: 4:28:29
